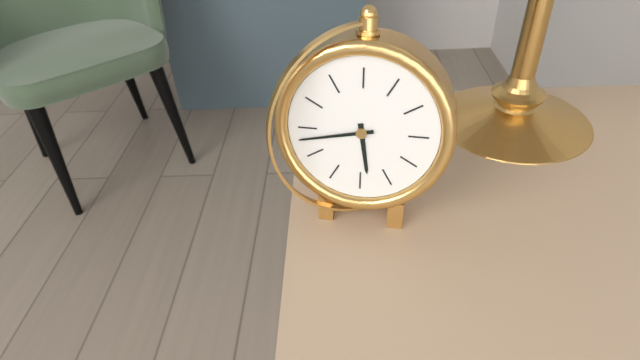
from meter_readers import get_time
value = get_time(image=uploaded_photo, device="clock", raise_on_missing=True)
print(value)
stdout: 5:43
